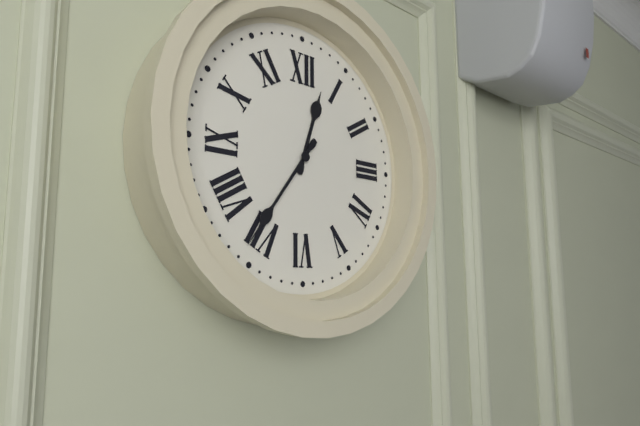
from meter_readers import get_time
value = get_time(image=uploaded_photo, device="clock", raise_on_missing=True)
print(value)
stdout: 12:36
